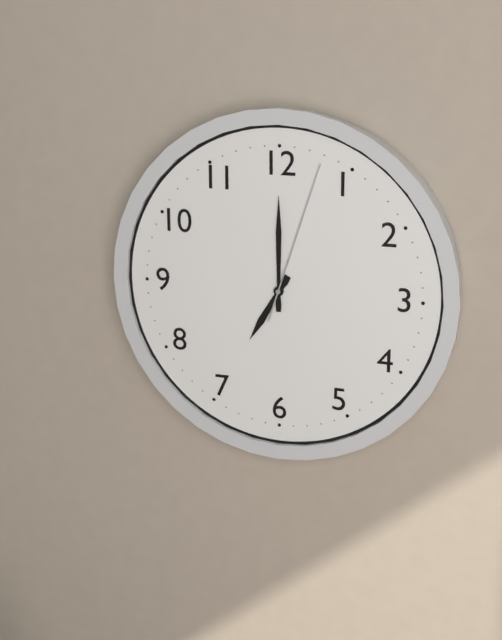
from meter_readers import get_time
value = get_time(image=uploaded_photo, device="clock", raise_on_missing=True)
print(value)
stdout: 7:00:03
